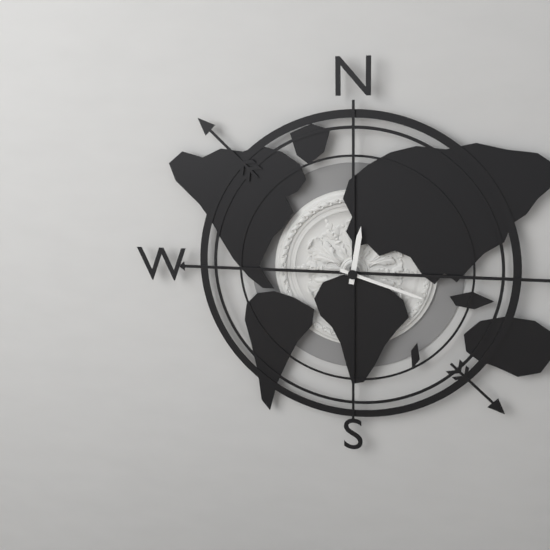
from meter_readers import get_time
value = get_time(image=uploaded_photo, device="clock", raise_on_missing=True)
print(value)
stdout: 12:18
